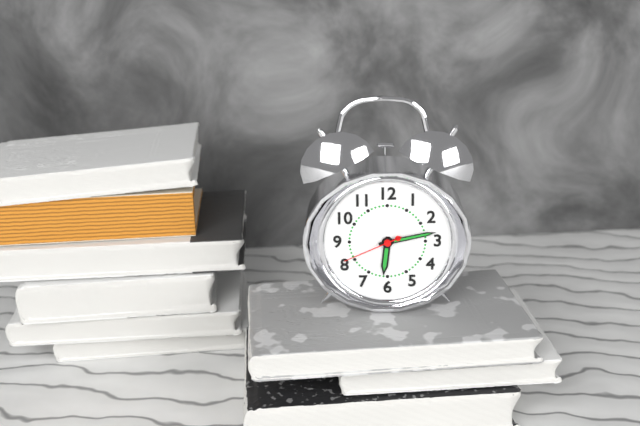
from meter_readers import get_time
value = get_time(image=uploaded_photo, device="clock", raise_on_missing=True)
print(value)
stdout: 6:13:41
